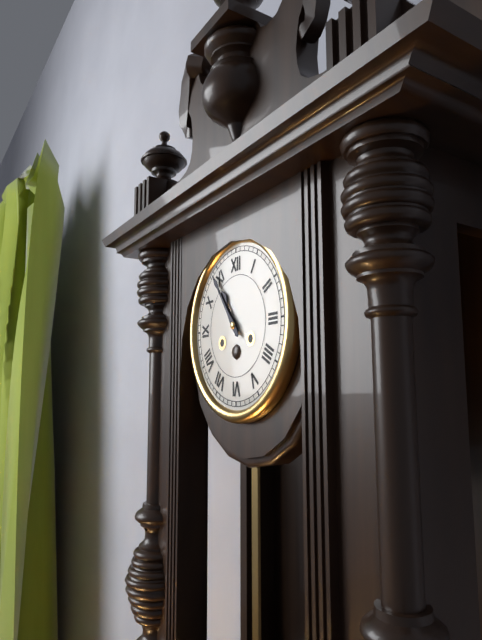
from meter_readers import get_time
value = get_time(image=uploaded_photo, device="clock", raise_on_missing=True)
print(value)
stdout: 10:54
